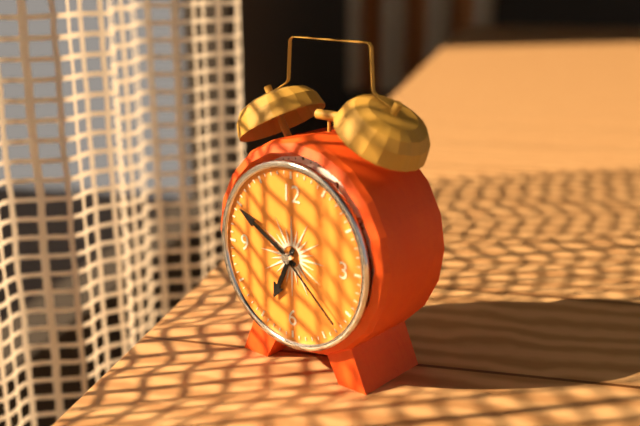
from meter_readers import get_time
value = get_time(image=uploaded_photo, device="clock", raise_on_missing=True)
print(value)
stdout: 6:50:22
